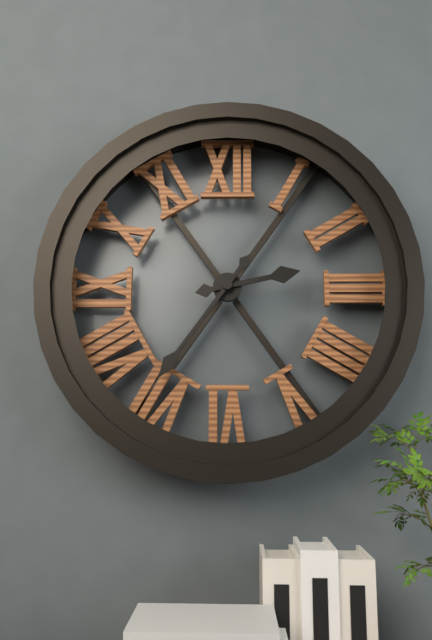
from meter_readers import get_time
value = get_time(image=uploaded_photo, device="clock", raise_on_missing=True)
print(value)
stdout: 2:36
